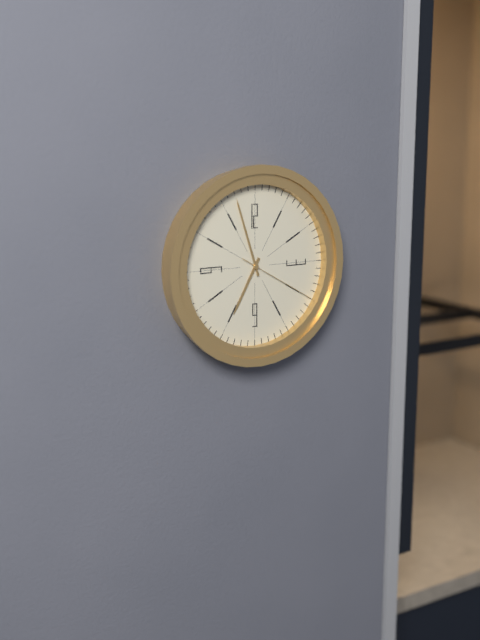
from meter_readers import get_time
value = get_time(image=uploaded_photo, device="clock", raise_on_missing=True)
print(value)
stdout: 6:57:20
